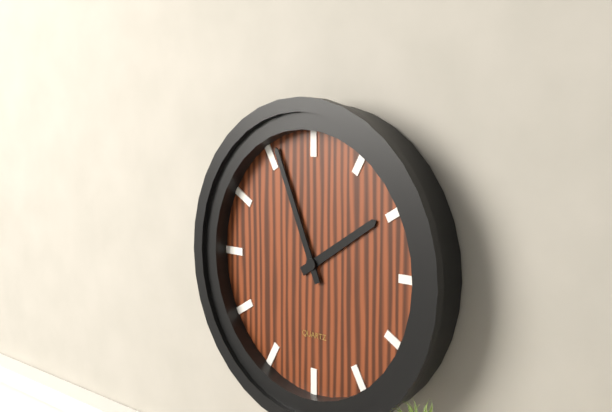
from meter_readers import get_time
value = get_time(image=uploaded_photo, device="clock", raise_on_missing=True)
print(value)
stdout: 1:56
